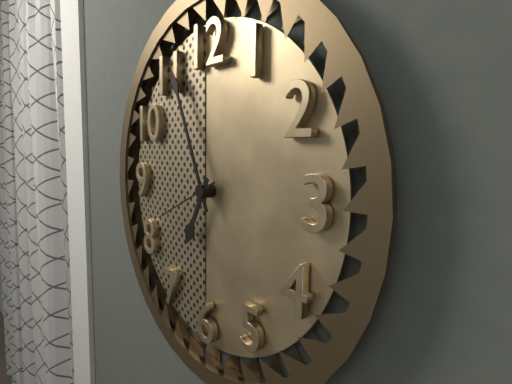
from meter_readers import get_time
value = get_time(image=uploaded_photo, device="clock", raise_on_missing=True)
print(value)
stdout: 6:56:41
